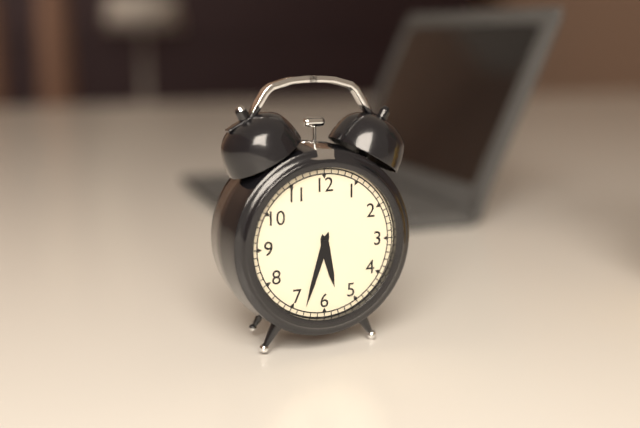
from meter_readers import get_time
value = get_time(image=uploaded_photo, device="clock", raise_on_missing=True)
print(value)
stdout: 5:33
